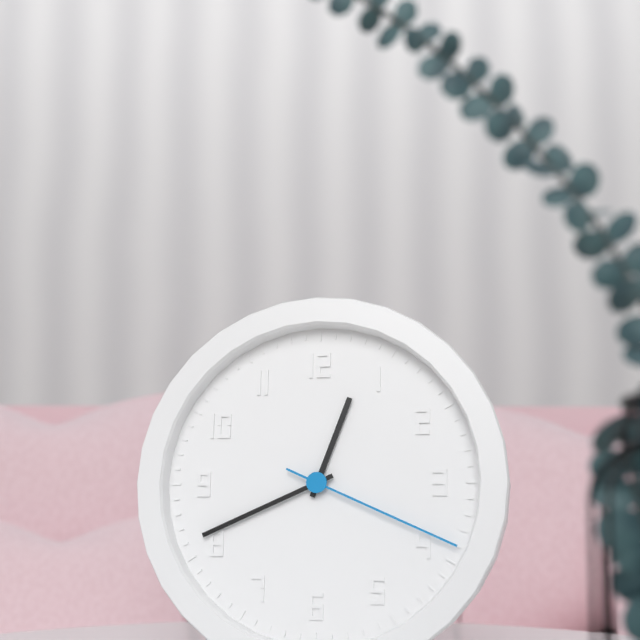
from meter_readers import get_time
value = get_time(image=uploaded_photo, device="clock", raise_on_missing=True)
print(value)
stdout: 12:41:19
